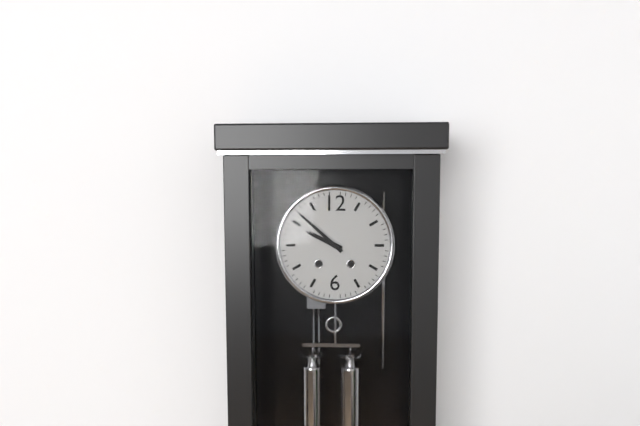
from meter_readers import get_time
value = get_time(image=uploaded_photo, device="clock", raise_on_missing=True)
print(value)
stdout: 9:52
